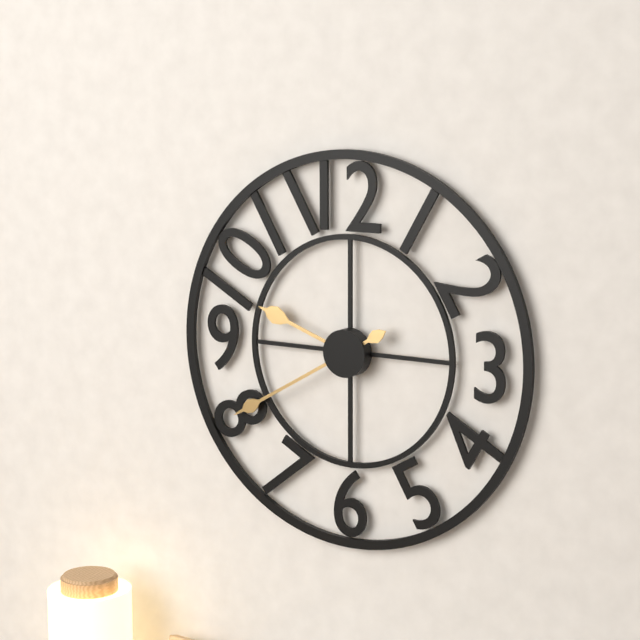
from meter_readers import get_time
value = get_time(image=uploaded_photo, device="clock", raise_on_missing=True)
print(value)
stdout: 9:40
